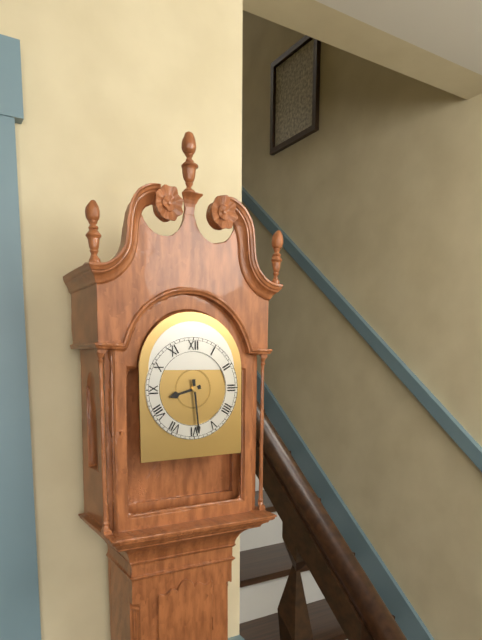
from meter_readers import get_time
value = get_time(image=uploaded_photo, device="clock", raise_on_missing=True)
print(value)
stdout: 8:29
